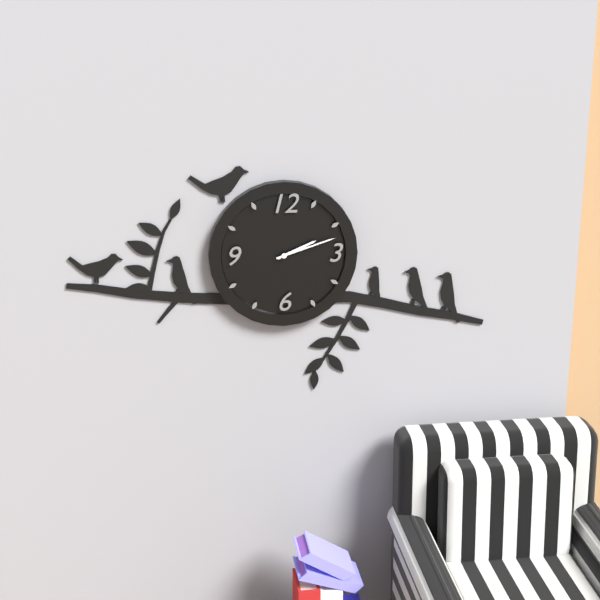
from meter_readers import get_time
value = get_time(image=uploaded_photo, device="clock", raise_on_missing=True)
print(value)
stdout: 2:12
